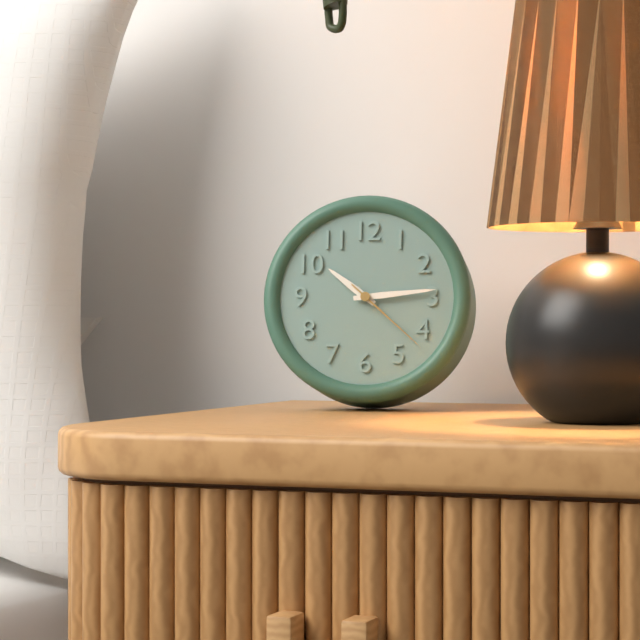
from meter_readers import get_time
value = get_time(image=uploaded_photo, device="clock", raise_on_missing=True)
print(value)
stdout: 10:14:22
